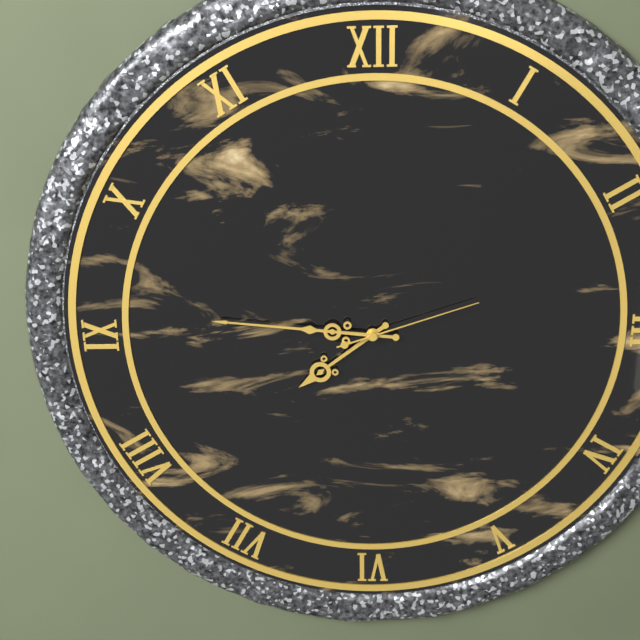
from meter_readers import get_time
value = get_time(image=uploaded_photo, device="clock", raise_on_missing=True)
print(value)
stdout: 7:46:12
